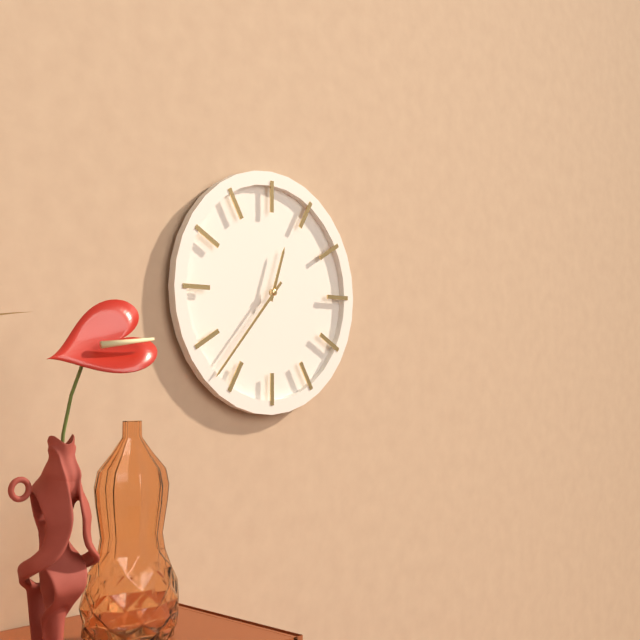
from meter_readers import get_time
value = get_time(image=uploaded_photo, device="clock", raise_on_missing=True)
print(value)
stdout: 12:37
